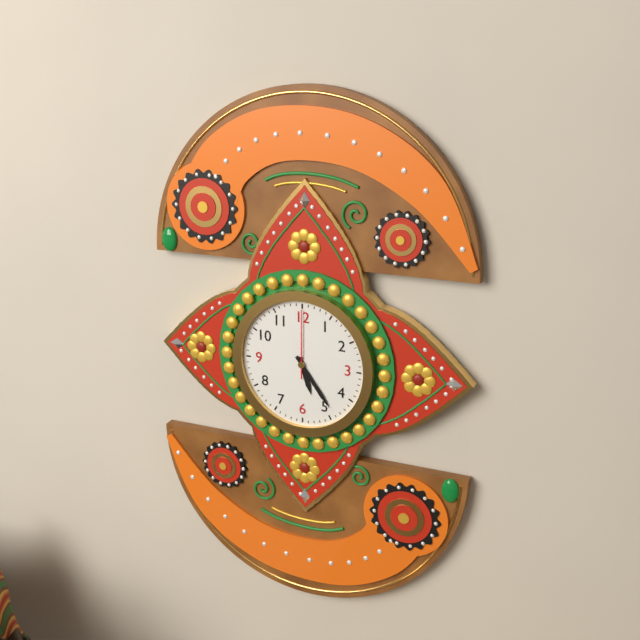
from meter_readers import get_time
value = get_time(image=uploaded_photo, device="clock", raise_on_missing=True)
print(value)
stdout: 5:24:00
